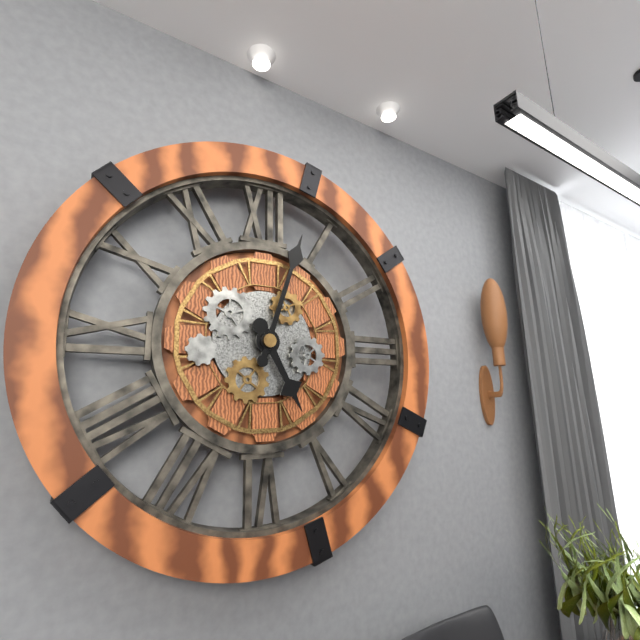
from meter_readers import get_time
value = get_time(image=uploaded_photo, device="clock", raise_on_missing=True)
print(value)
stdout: 5:03
